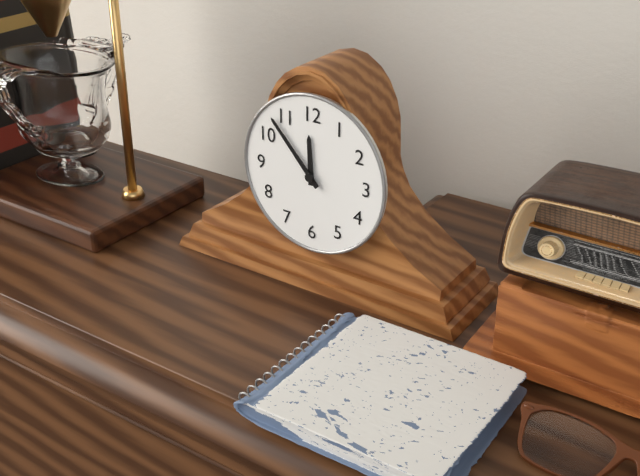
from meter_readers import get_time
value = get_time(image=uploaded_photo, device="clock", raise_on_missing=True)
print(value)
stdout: 11:53
